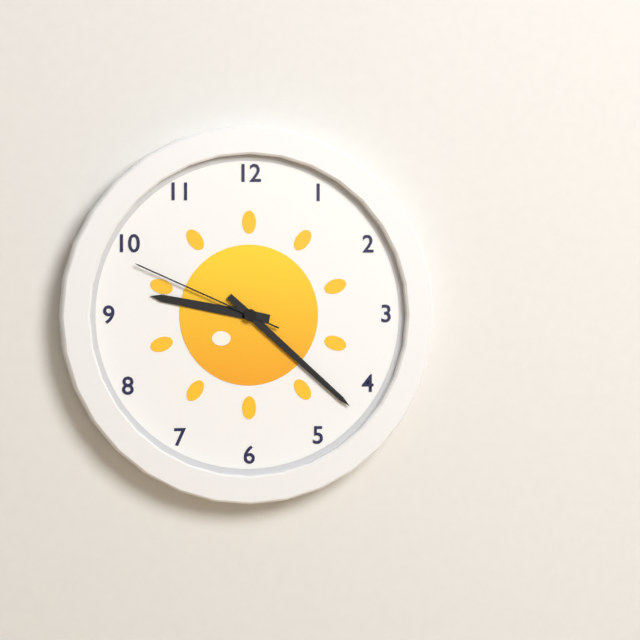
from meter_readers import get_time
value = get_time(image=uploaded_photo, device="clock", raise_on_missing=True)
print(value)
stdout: 9:22:49
